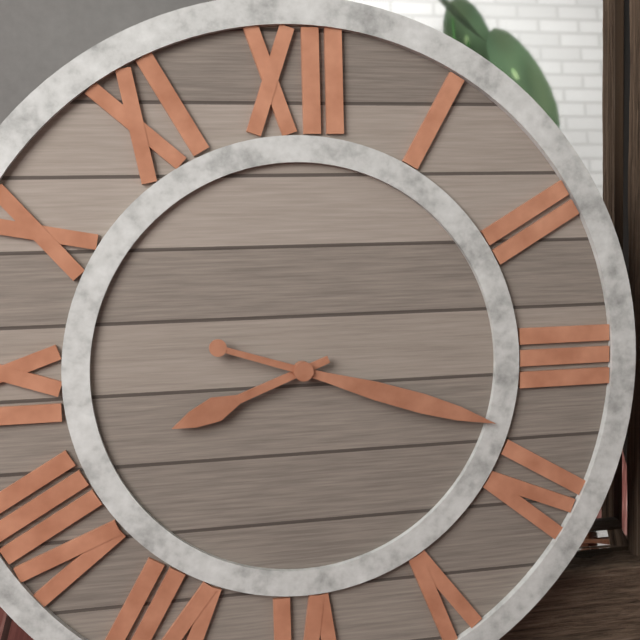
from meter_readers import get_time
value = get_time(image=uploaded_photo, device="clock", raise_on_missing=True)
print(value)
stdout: 8:18
